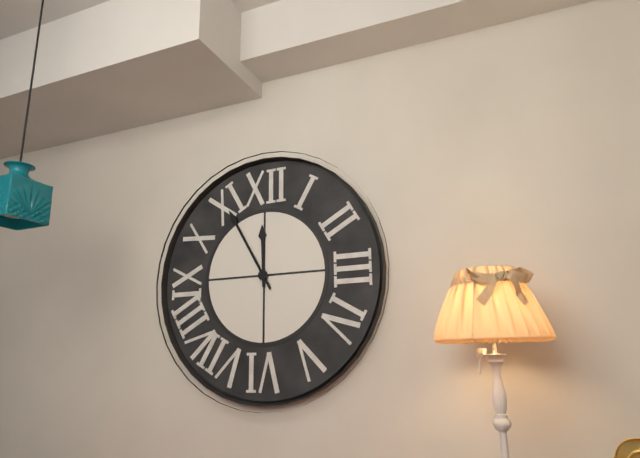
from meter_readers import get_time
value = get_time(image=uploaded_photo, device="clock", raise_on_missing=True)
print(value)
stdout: 11:55
